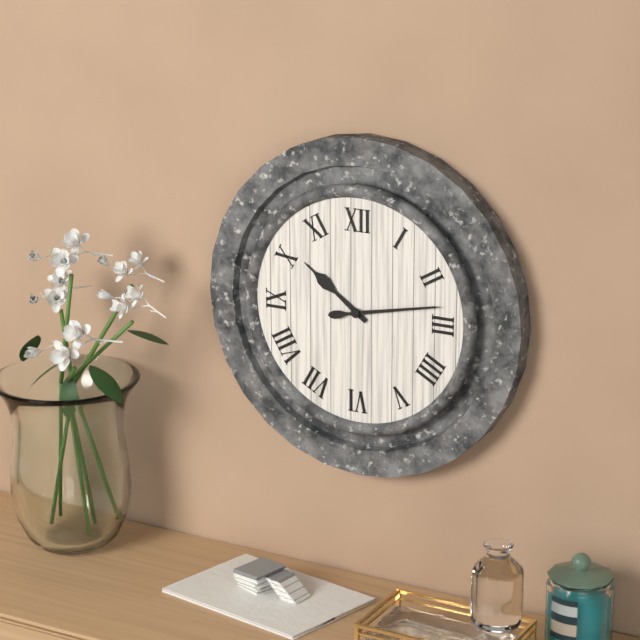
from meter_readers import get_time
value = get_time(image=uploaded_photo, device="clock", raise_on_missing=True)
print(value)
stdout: 10:13
